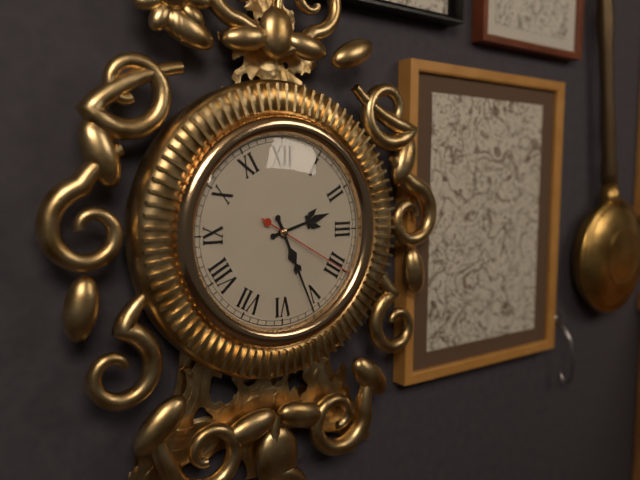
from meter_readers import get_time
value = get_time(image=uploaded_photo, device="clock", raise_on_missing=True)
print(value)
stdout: 2:26:20
